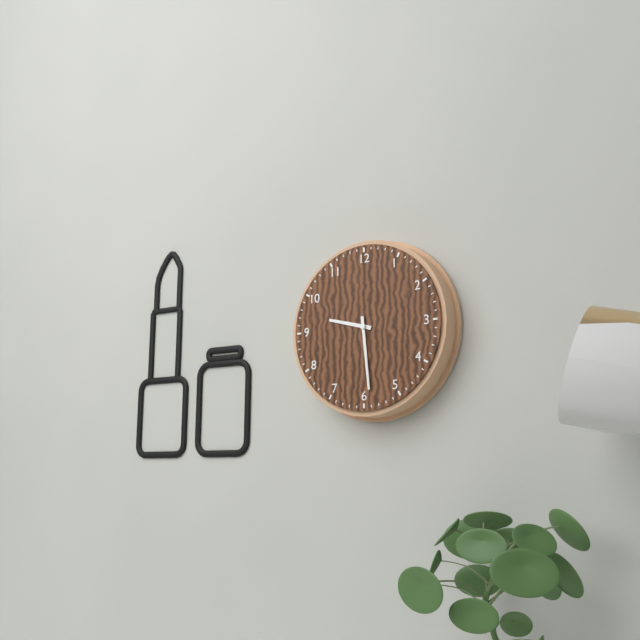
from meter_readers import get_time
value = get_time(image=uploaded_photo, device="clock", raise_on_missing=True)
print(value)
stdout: 9:29
